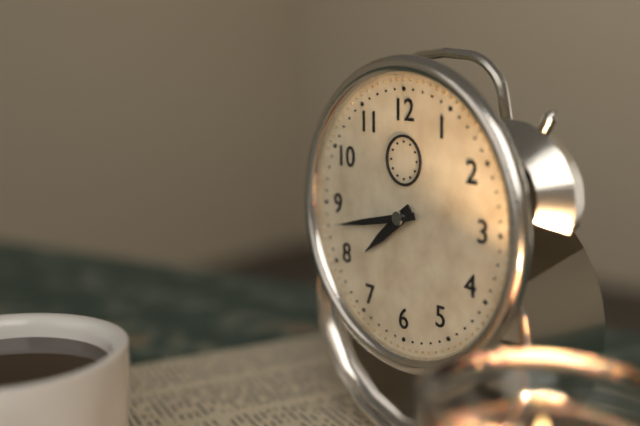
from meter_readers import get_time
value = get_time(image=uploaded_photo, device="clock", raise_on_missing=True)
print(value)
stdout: 7:43
